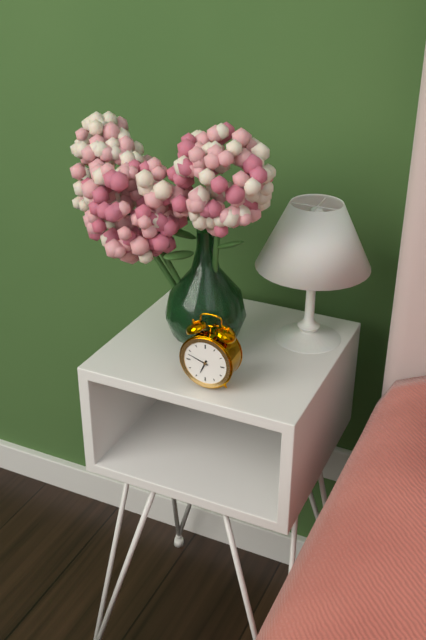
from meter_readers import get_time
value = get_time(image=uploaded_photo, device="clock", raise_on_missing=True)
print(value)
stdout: 6:48
